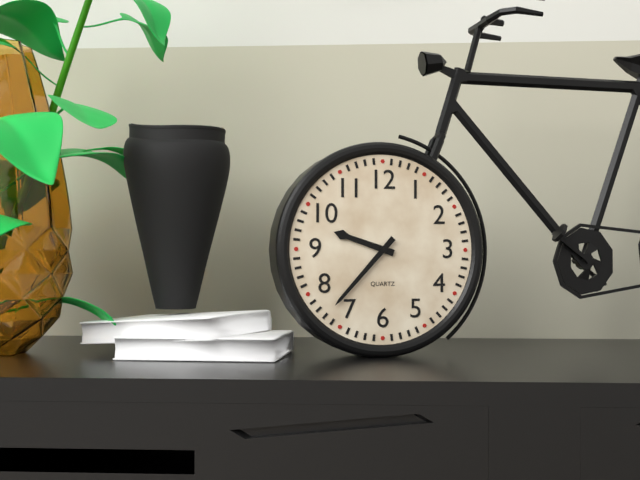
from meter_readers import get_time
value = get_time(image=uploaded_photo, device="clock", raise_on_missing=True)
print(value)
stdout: 9:37
